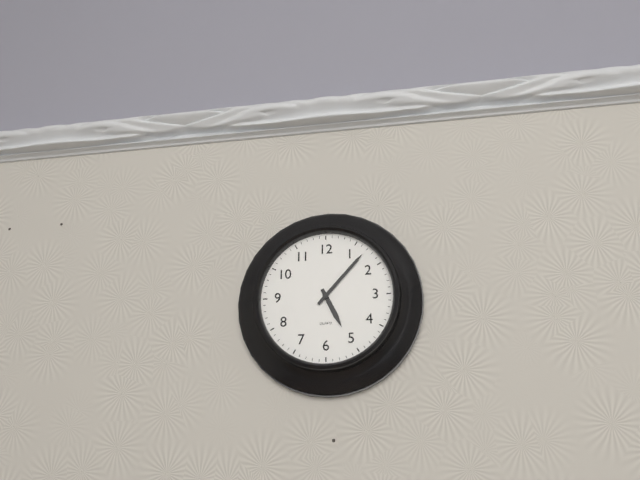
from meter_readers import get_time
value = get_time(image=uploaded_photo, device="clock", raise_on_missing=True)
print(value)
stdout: 5:07
